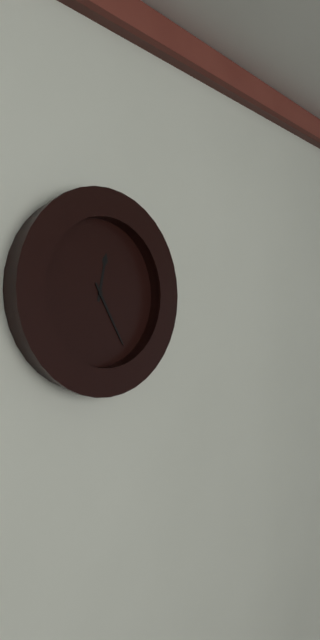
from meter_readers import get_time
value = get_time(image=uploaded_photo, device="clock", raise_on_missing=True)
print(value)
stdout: 12:25
